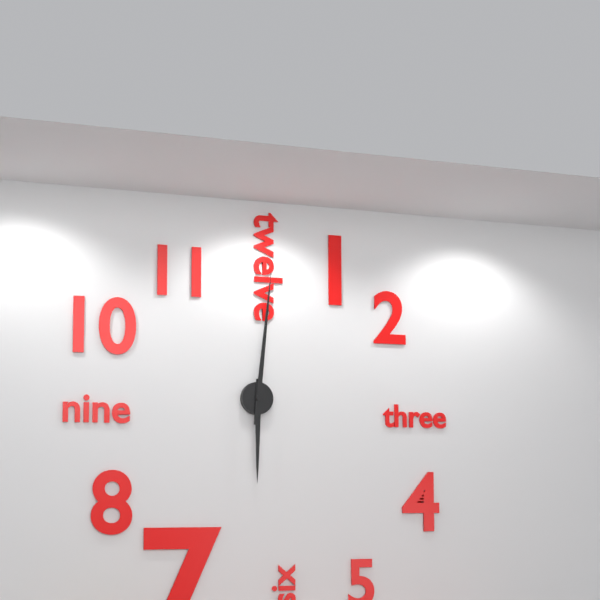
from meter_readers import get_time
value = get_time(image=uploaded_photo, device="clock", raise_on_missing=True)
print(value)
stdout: 6:01
